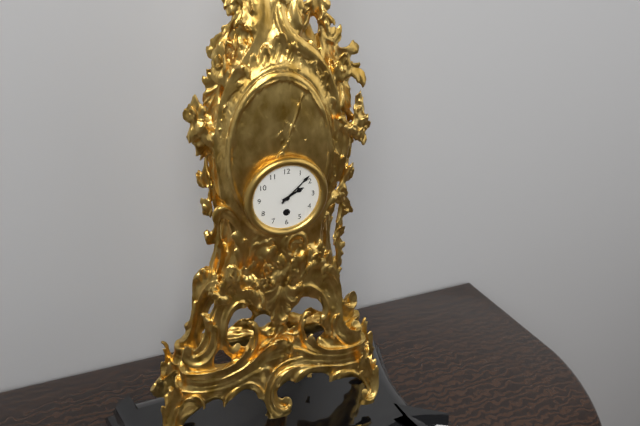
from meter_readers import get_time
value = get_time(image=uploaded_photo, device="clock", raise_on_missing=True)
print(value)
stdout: 2:08
